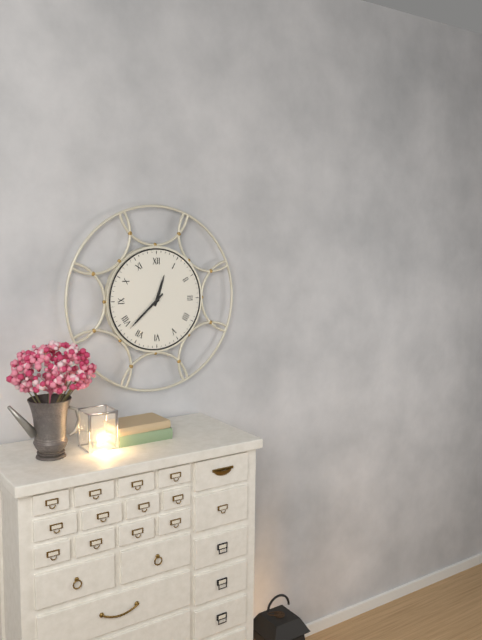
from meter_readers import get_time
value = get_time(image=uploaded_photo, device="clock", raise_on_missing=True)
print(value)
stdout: 12:38
